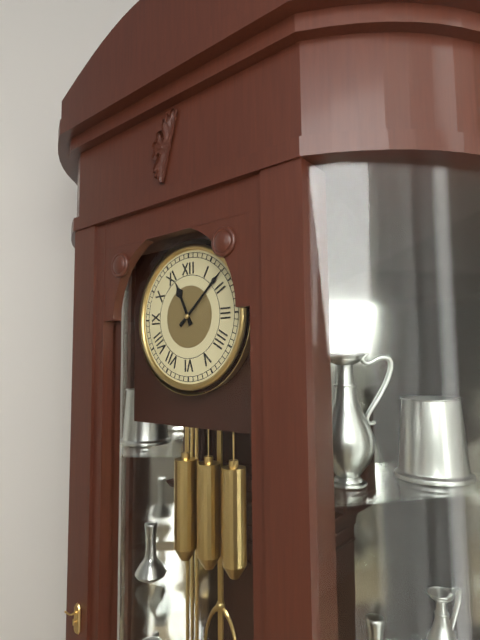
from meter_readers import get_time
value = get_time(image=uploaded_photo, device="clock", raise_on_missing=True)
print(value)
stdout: 11:08
